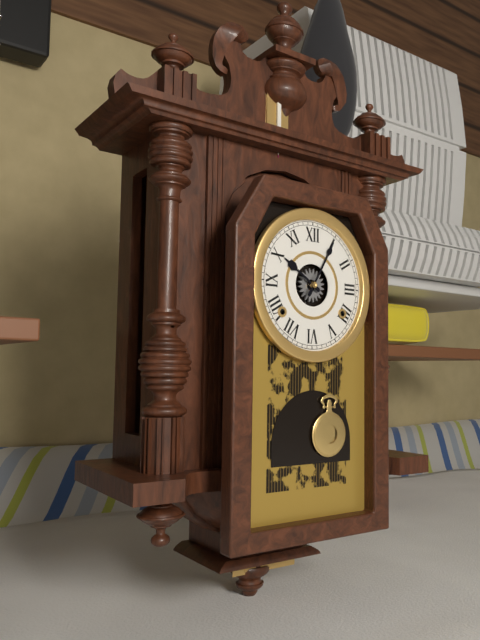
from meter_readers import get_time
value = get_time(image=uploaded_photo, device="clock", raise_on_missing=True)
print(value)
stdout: 10:05
